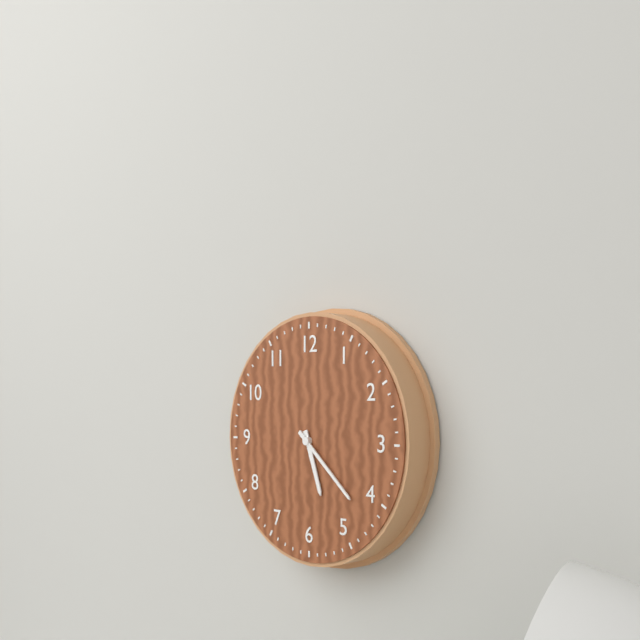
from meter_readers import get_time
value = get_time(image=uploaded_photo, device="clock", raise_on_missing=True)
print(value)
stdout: 5:22
